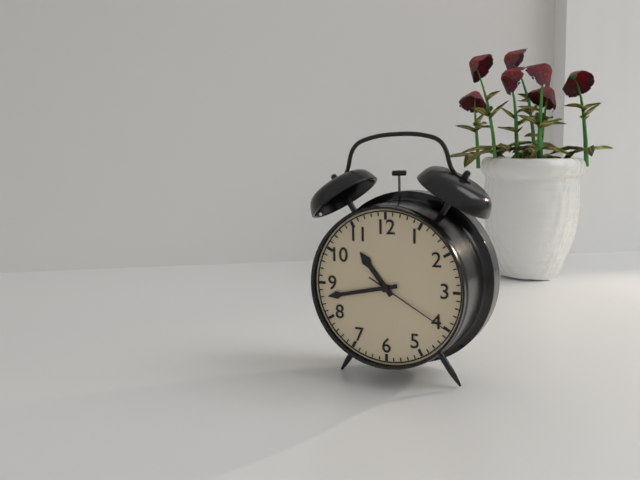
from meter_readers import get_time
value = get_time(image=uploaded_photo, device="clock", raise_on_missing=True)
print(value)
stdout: 10:43:20
